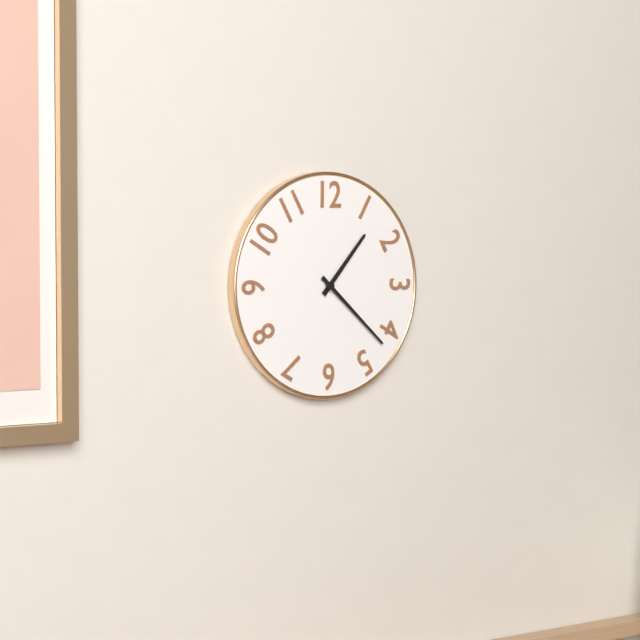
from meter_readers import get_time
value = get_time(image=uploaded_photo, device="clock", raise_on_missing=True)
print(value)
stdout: 1:22
